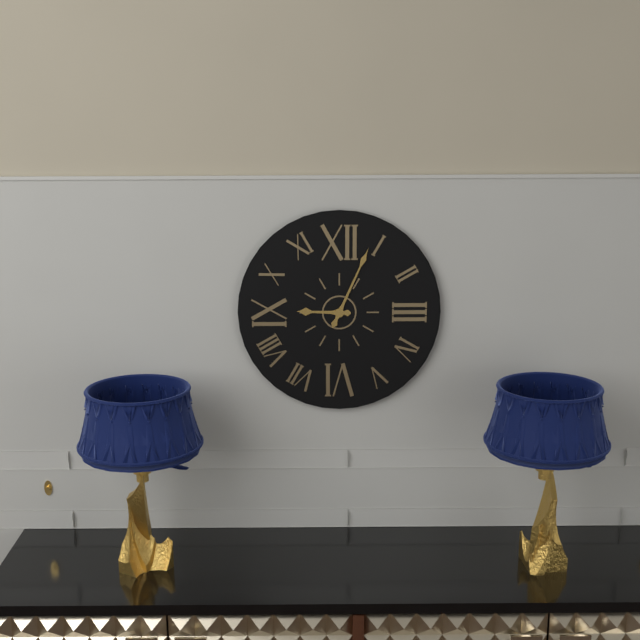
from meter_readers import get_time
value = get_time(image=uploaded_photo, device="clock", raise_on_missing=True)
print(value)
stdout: 9:04
